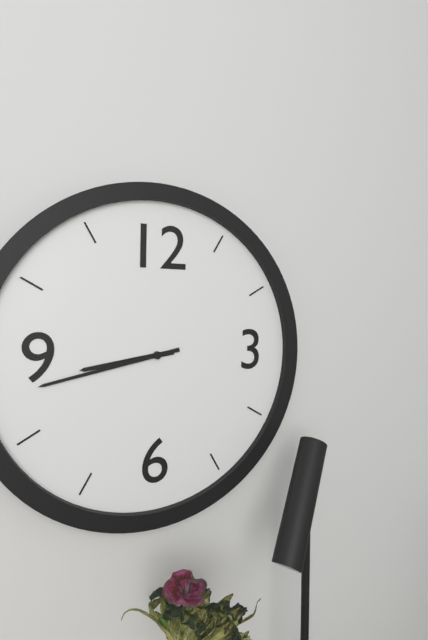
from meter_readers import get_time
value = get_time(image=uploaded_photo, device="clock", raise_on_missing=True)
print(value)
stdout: 8:43
